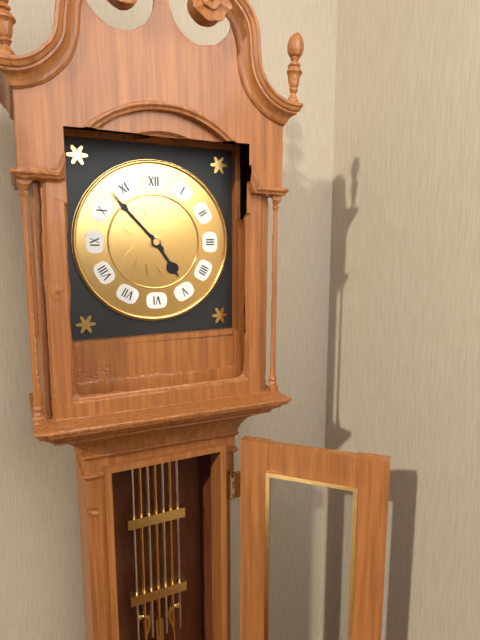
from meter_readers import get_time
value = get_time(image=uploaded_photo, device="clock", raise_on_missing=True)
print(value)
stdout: 4:53
